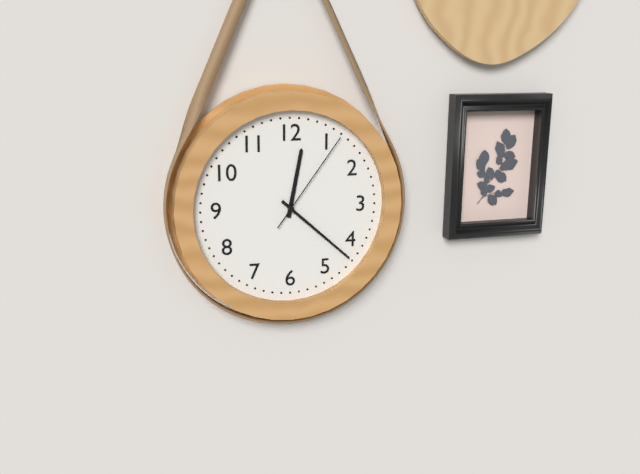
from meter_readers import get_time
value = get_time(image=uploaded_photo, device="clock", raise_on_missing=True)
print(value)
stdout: 12:22:06
